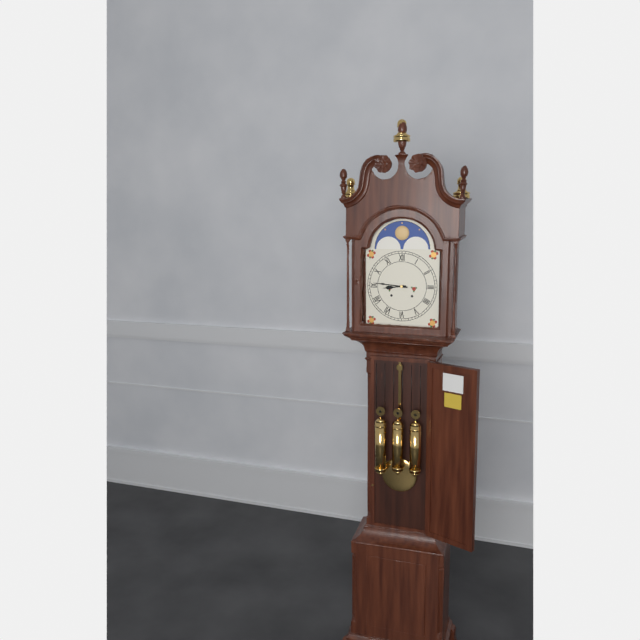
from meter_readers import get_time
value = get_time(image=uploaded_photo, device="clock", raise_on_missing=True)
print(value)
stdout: 8:46
